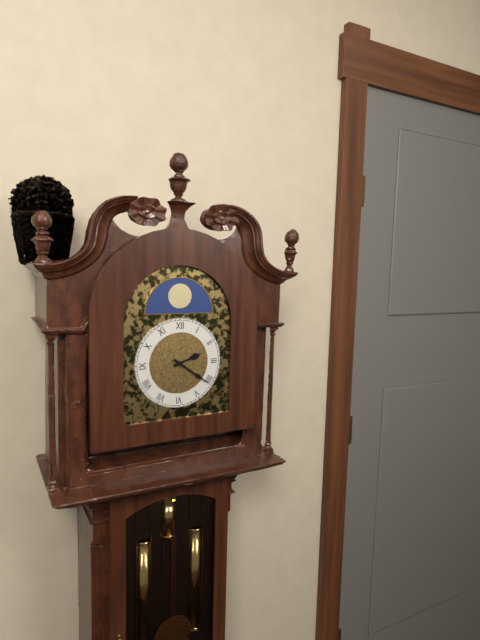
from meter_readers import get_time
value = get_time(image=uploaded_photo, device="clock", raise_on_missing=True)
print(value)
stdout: 2:21
